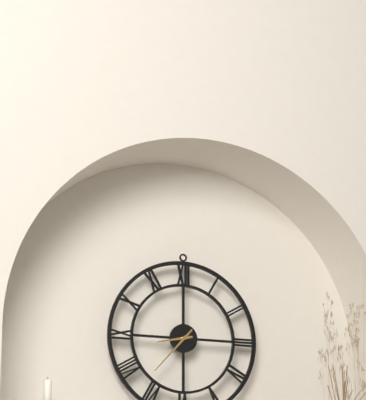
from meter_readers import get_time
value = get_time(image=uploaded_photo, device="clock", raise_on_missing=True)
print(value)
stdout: 8:37
